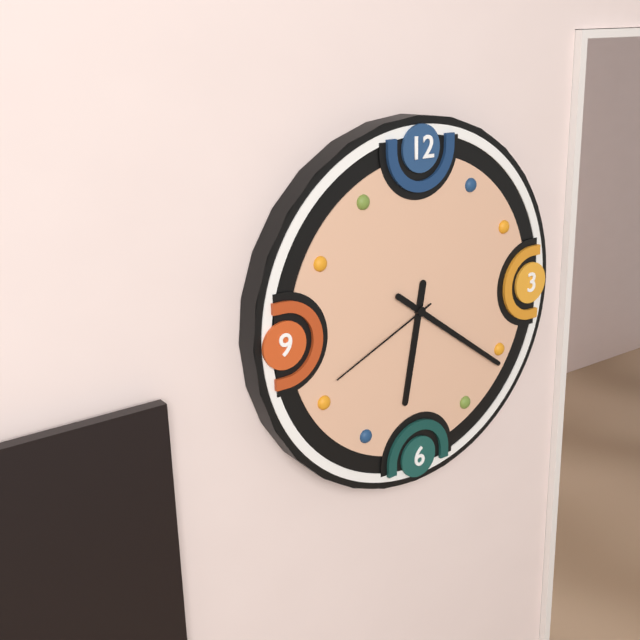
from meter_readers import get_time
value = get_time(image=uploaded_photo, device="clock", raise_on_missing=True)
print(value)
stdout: 6:21:41
